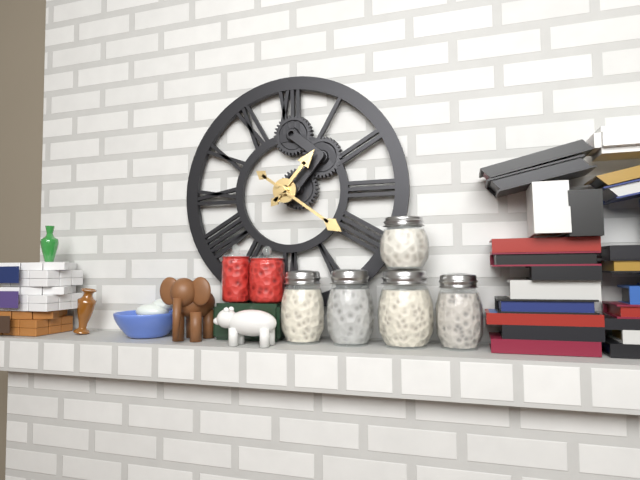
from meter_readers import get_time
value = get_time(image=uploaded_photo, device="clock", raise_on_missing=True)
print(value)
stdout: 1:21
